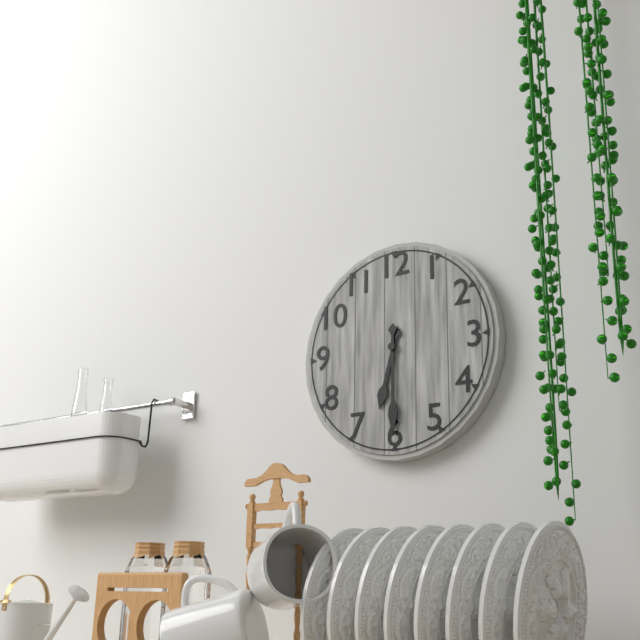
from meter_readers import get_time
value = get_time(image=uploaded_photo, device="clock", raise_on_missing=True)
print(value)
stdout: 6:30
